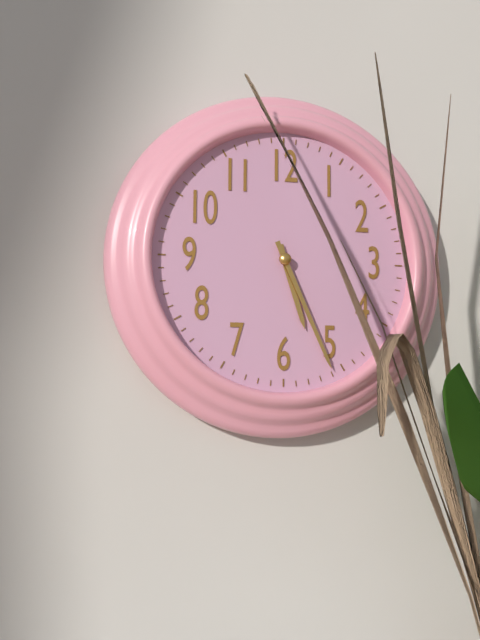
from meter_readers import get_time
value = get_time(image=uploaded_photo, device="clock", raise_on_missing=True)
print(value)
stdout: 5:26
